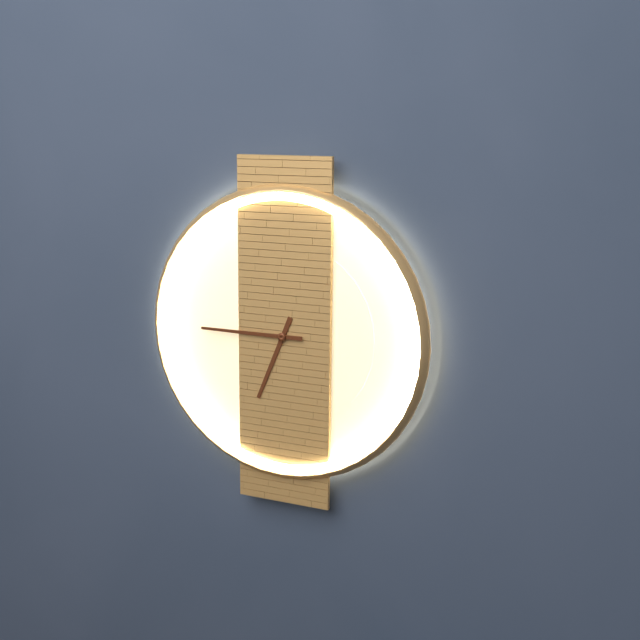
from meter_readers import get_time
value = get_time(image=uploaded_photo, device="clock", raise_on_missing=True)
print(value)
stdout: 6:45
